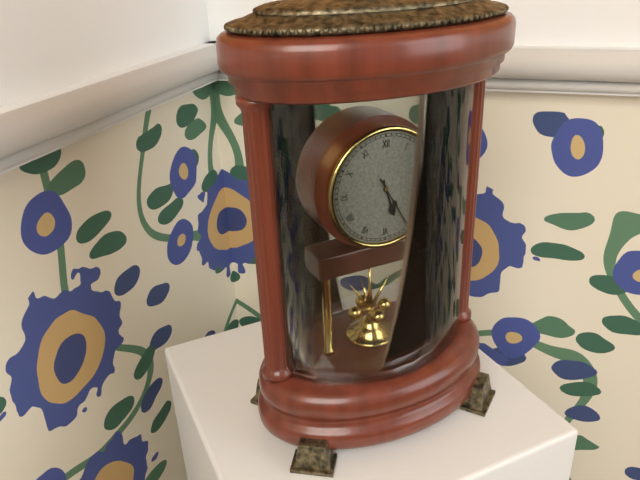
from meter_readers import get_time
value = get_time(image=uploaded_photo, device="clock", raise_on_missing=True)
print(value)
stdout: 5:25
